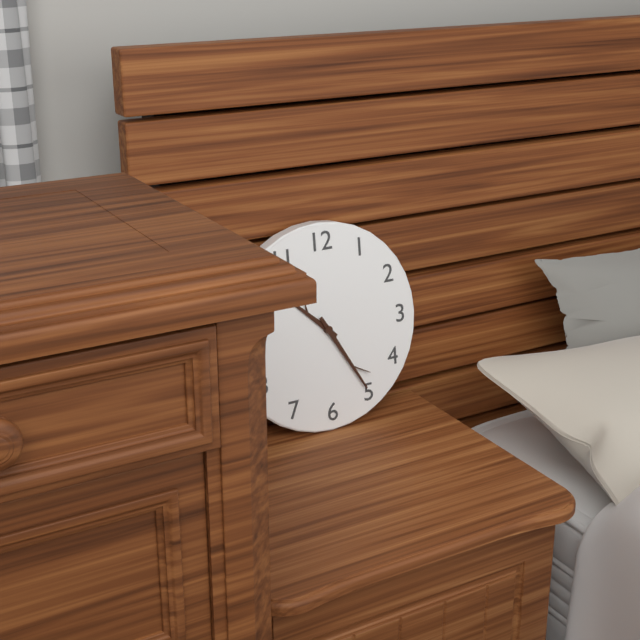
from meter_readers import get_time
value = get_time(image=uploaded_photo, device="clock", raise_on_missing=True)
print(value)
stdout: 10:25
